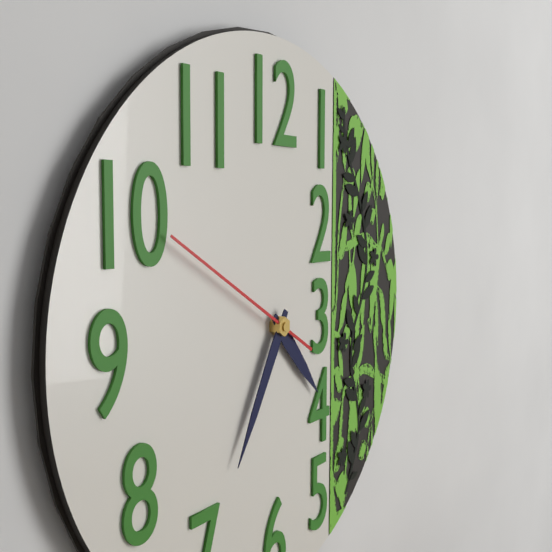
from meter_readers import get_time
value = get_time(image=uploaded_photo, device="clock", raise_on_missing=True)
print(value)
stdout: 4:35:50
